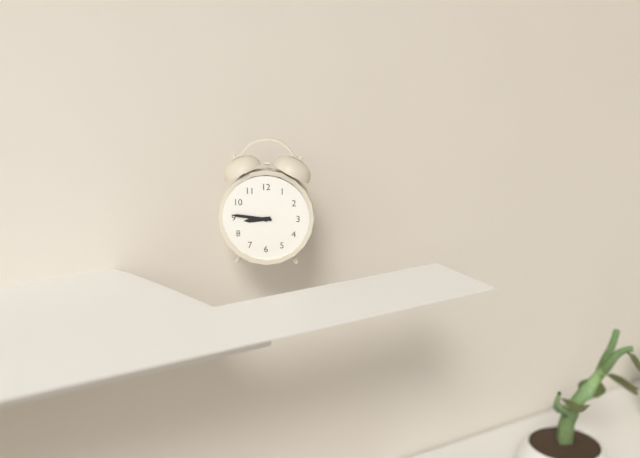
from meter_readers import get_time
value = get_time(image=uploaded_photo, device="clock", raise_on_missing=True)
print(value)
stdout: 8:46
